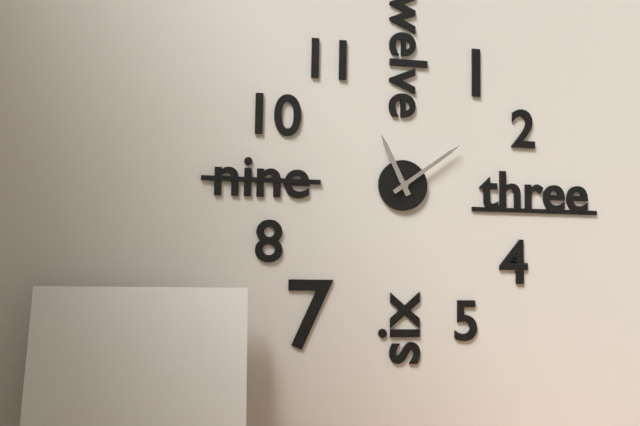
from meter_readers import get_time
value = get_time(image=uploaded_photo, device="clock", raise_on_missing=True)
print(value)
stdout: 11:09
